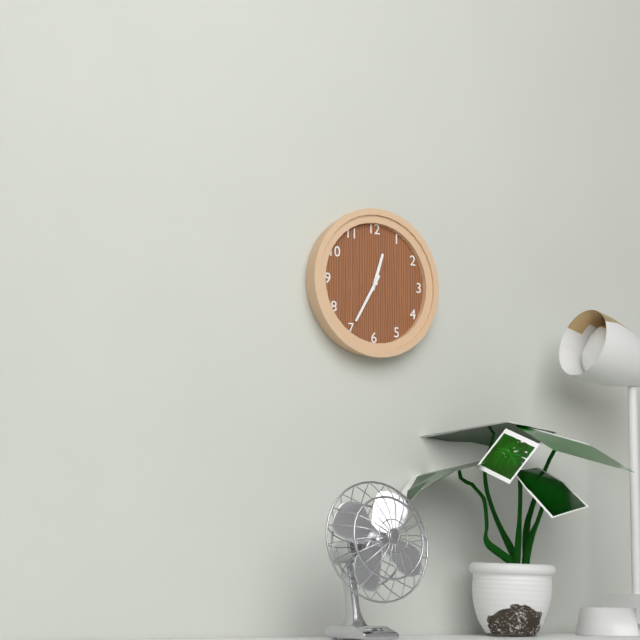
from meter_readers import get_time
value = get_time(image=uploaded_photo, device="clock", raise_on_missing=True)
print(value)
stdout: 12:35
